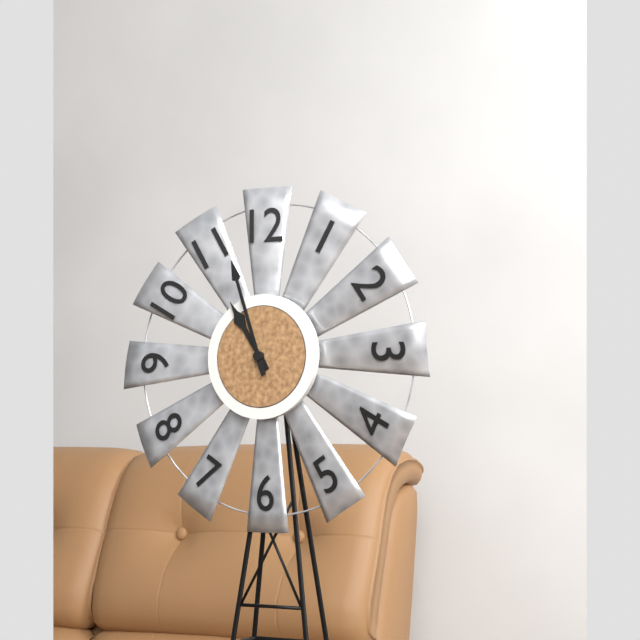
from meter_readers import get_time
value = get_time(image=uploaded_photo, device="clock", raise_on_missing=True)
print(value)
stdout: 10:57
